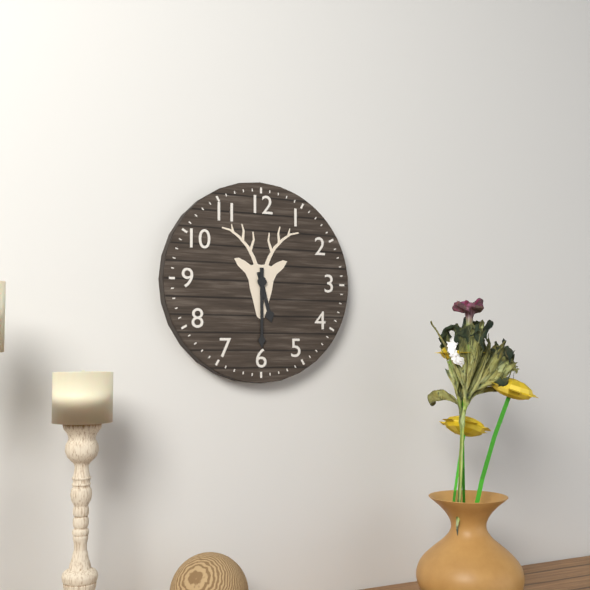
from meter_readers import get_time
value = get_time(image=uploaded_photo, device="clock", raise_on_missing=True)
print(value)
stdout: 5:30
